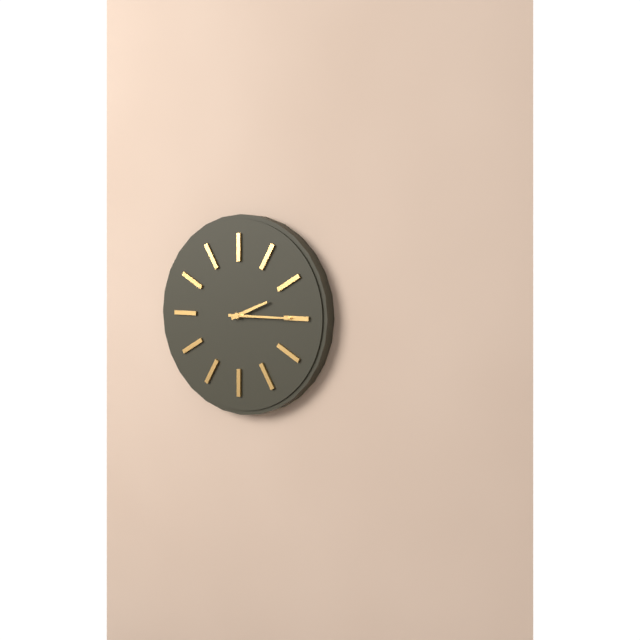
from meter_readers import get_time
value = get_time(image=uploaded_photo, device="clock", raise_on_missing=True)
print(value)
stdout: 2:15
